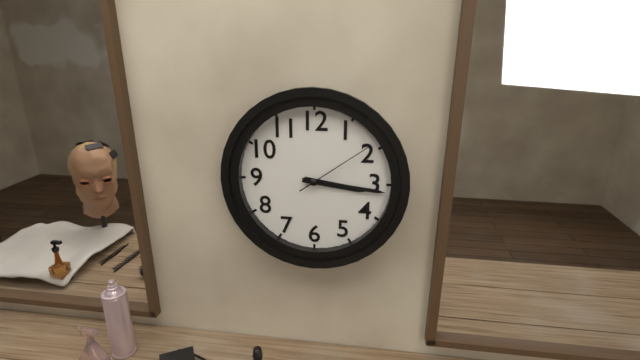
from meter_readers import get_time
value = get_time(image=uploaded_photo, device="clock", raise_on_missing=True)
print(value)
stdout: 3:16:09
